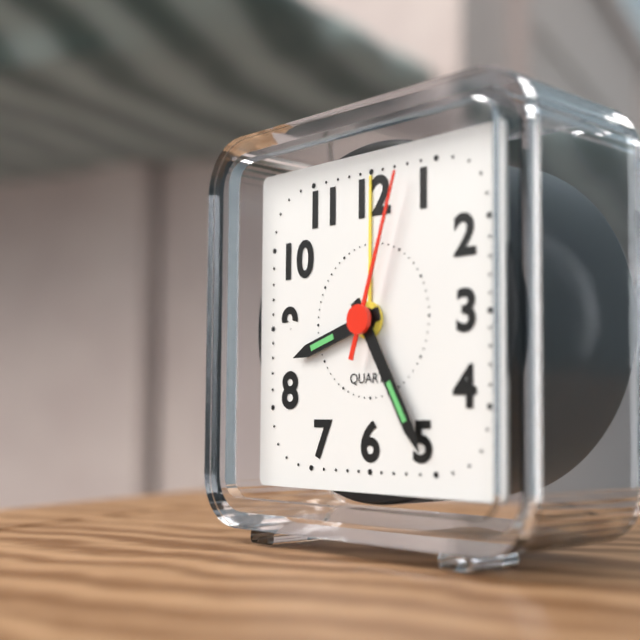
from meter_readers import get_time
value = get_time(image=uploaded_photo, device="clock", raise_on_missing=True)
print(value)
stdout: 8:25:03
